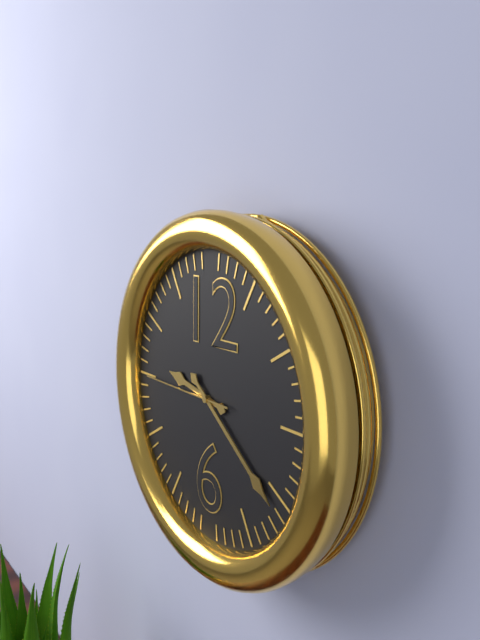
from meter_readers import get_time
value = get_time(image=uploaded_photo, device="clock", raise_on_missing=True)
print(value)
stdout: 9:21:45
